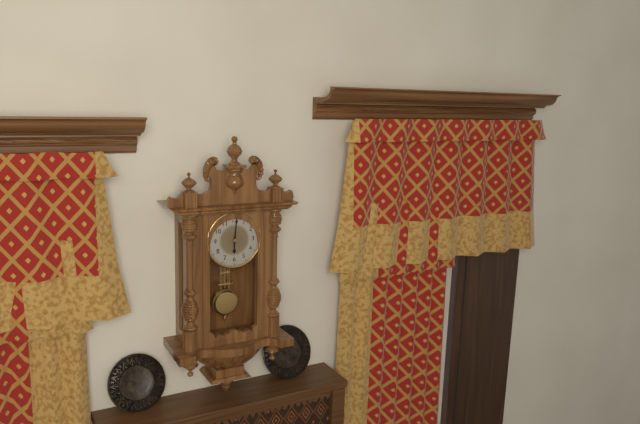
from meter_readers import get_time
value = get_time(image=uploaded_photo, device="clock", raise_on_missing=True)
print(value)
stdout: 6:01
